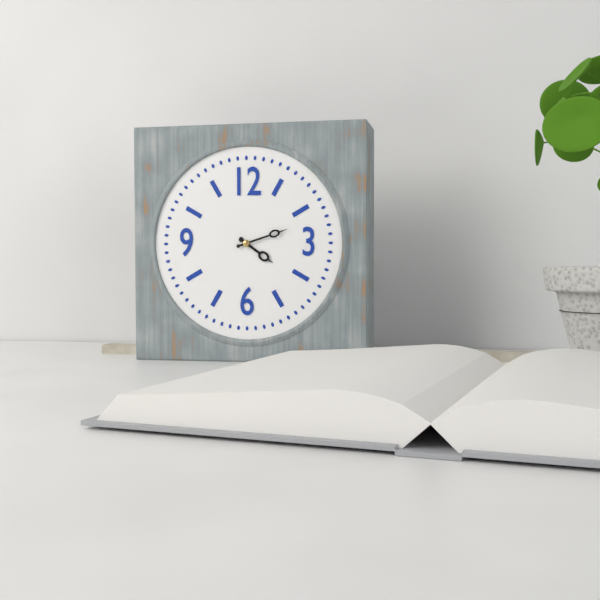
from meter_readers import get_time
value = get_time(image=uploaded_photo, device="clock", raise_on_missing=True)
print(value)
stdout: 4:12
